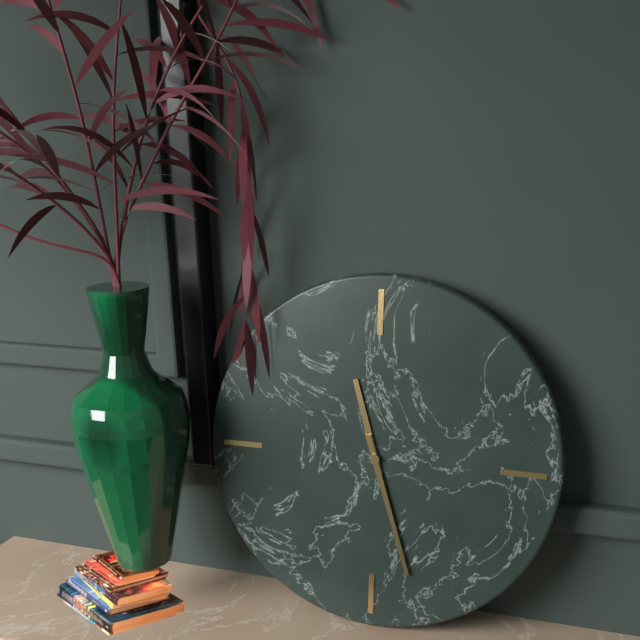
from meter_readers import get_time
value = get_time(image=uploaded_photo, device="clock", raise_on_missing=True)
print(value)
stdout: 11:27
